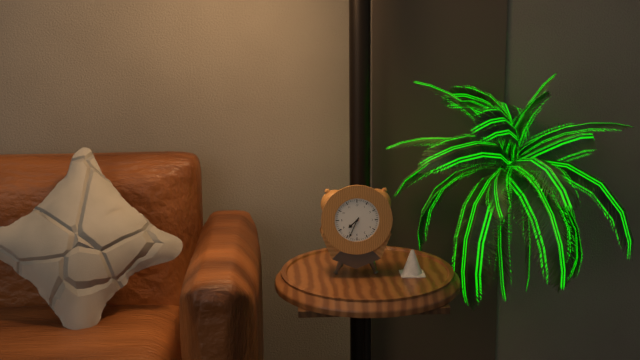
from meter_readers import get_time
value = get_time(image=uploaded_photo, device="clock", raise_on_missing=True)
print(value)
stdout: 7:34
